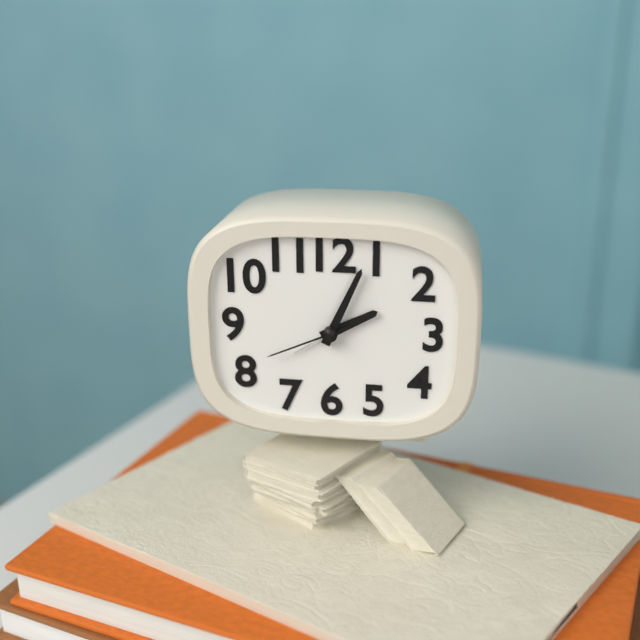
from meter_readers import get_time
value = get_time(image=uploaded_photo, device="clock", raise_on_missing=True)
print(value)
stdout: 2:04:41
